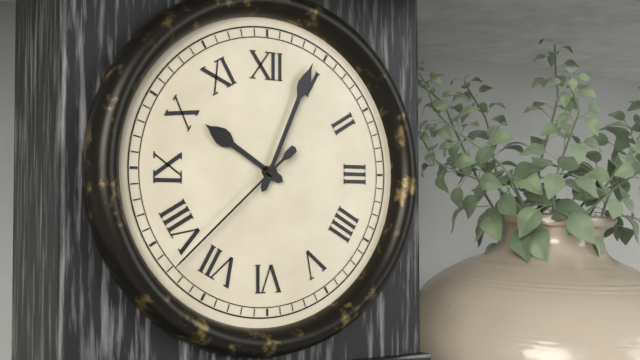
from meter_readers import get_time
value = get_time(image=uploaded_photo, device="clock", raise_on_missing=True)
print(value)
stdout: 10:04:38
